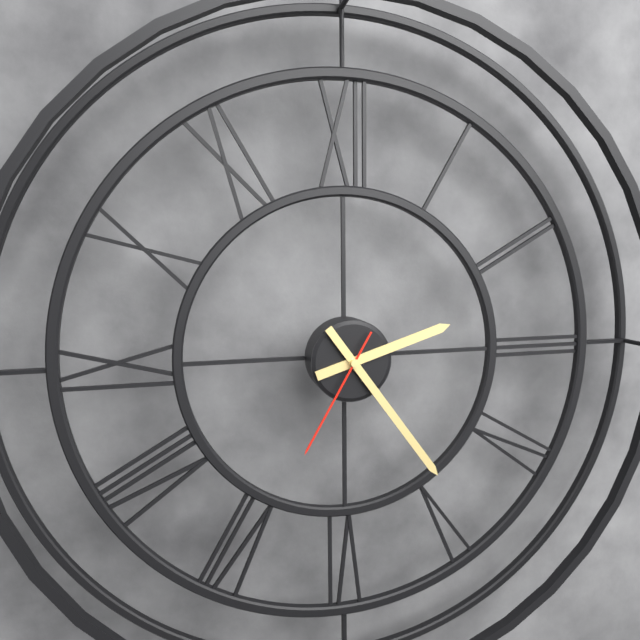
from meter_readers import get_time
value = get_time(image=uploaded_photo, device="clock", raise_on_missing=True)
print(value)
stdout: 2:24:35
